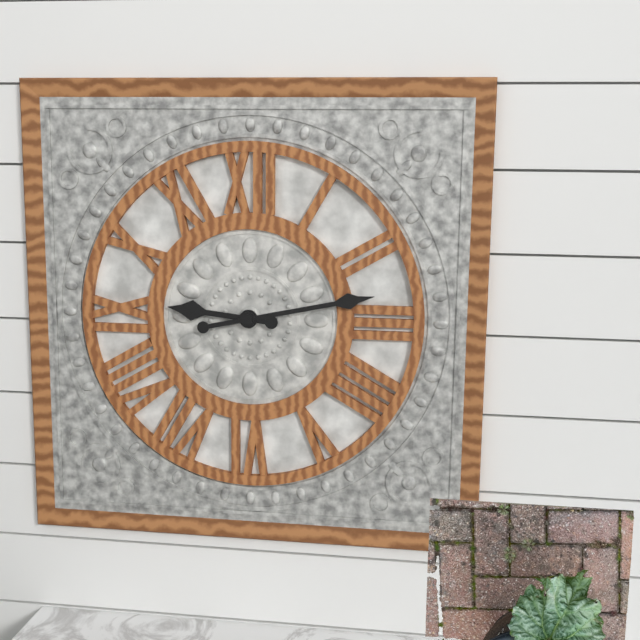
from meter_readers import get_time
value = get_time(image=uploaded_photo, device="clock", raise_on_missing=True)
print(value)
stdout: 9:13
